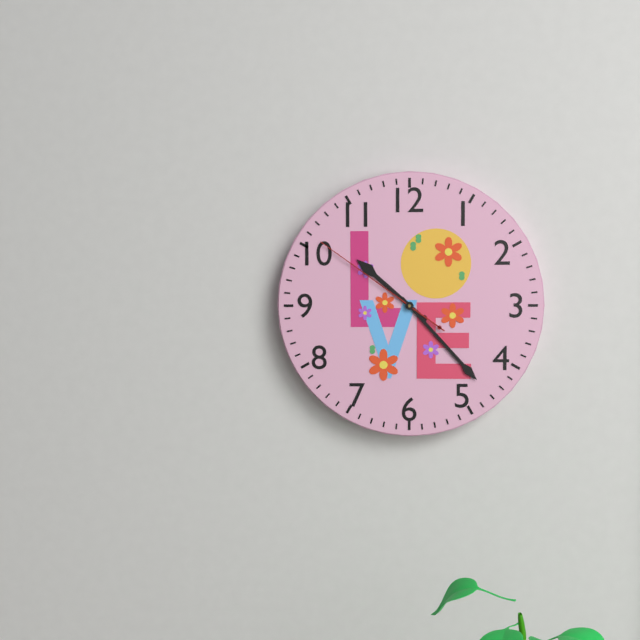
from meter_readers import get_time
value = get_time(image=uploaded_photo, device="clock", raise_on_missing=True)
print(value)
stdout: 10:23:51
